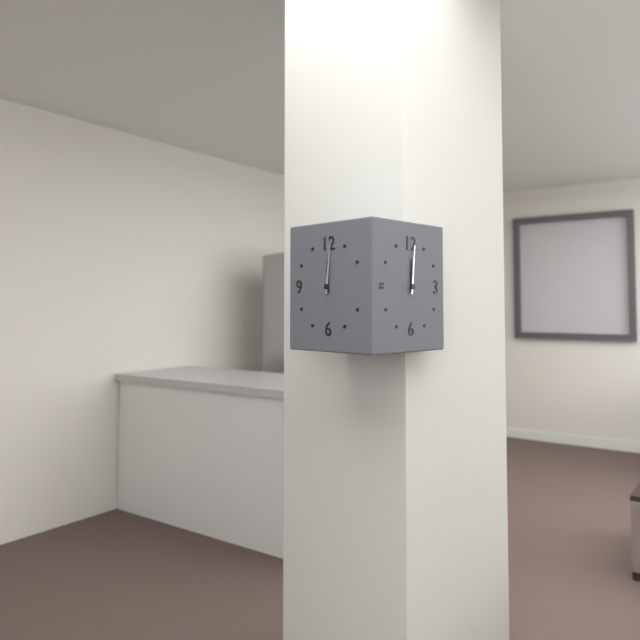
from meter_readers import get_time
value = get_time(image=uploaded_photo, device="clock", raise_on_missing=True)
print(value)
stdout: 12:01
